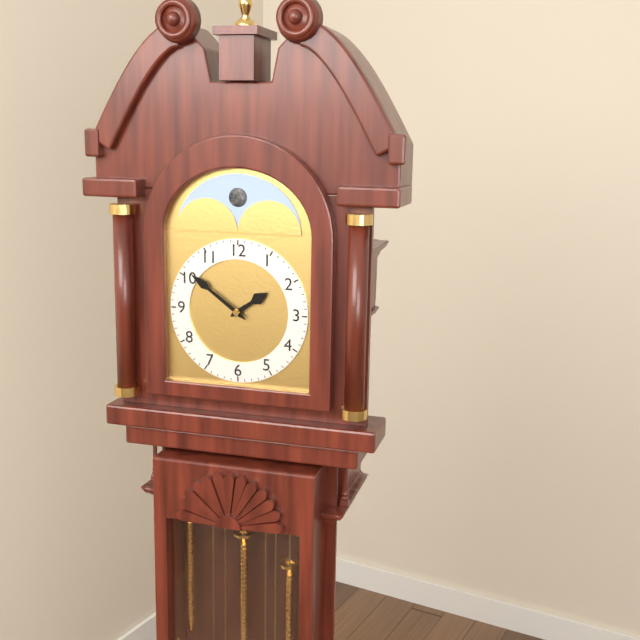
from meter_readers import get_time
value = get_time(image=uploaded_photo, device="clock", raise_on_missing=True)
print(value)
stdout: 1:51
